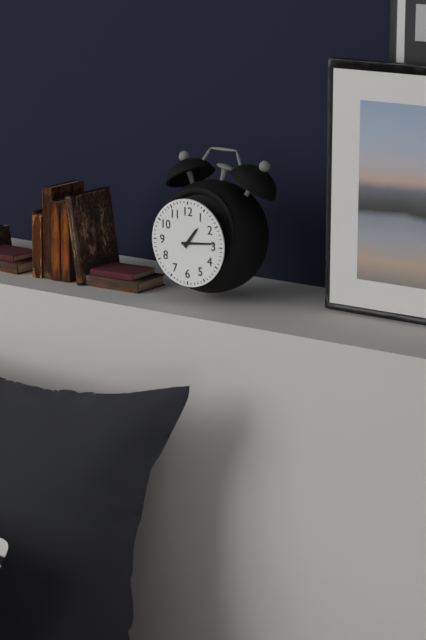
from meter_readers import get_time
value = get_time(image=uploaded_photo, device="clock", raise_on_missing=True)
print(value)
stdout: 1:14
